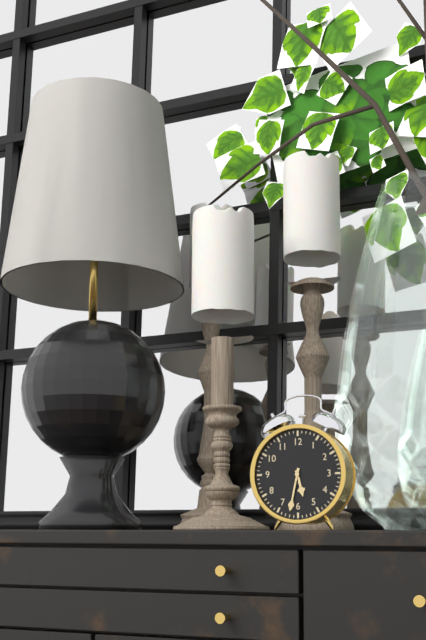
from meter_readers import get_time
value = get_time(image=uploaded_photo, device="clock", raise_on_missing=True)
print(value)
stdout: 5:32
